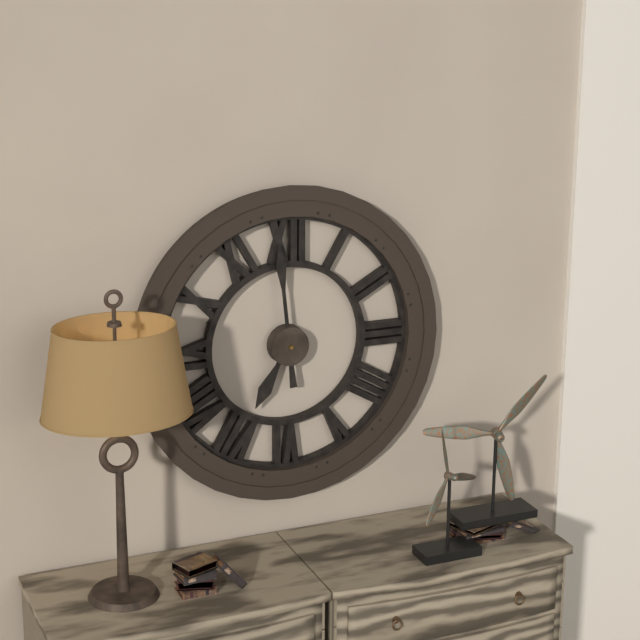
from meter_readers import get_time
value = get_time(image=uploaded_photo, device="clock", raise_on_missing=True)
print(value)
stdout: 6:59
